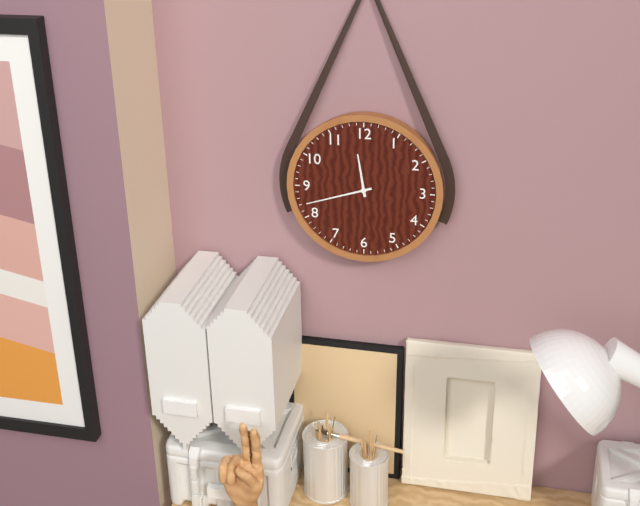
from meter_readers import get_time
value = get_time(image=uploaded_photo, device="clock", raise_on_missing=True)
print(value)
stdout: 11:42
